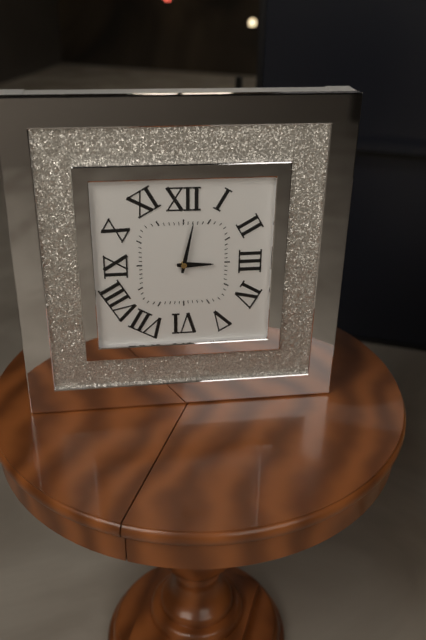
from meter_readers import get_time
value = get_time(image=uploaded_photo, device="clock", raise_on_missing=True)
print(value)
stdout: 3:02
